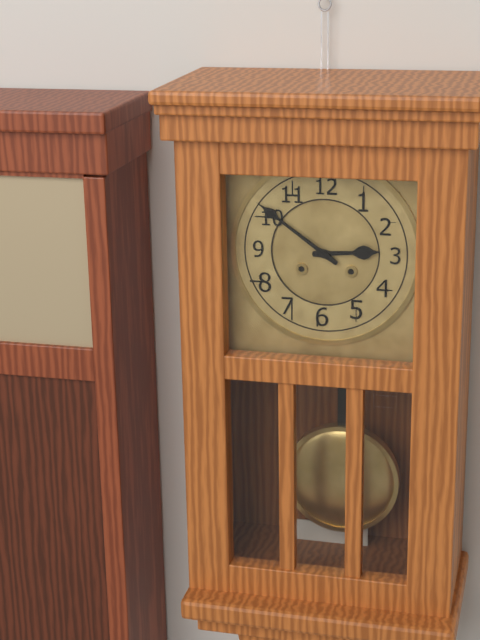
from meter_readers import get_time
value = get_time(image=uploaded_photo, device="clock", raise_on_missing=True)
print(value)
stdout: 2:51
